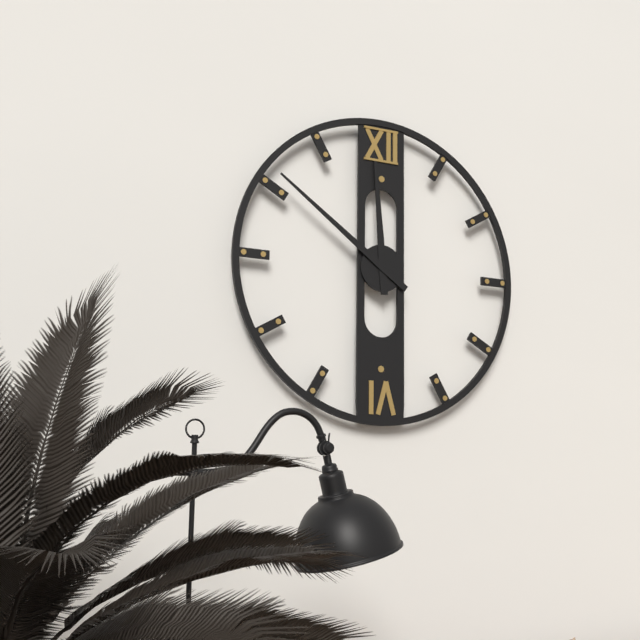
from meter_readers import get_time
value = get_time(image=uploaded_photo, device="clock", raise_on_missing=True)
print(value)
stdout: 11:51
